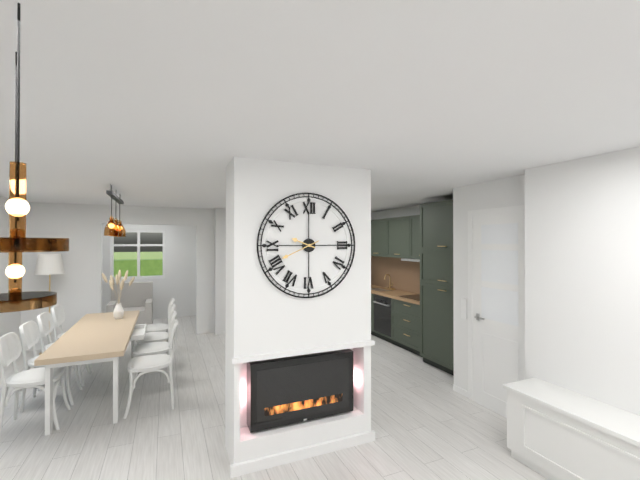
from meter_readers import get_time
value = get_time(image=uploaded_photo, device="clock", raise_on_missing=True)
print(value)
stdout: 9:41
